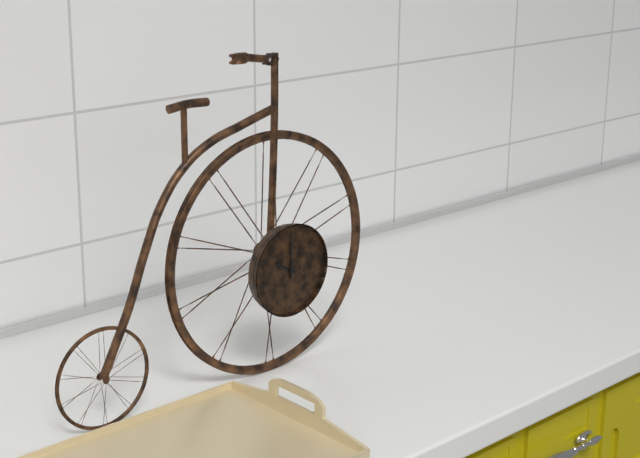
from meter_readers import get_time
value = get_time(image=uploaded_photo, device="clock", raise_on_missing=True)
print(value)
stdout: 10:00
